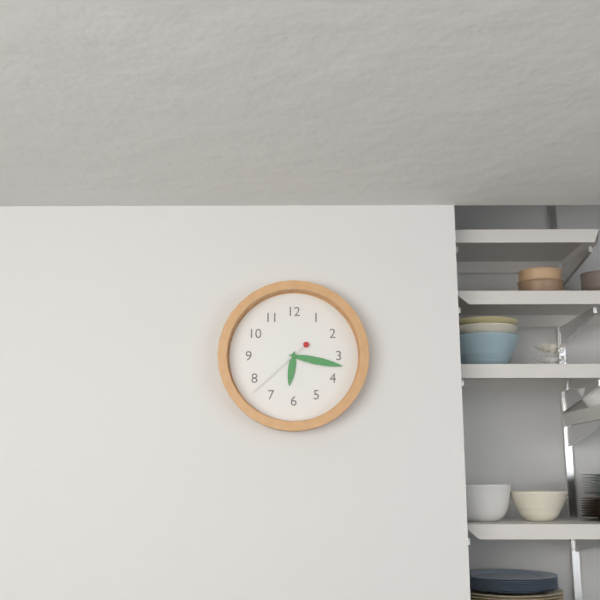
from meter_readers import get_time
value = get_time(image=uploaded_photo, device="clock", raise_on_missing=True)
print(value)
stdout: 6:17:38
